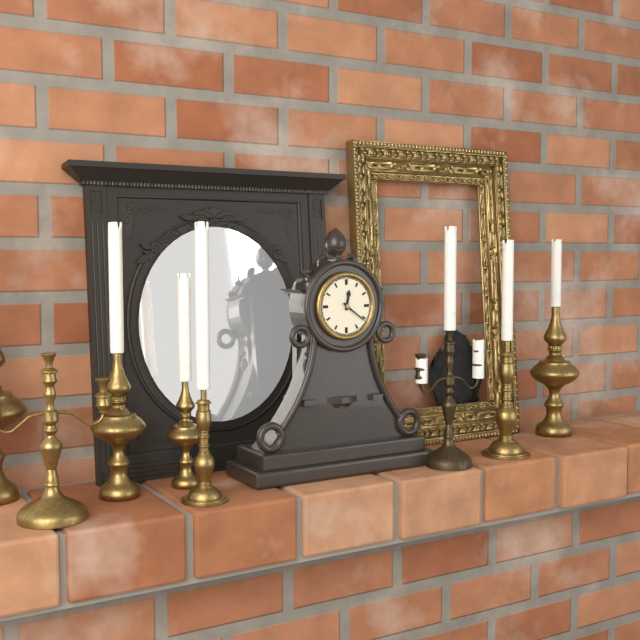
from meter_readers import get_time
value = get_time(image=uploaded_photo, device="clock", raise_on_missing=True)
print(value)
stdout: 12:21
